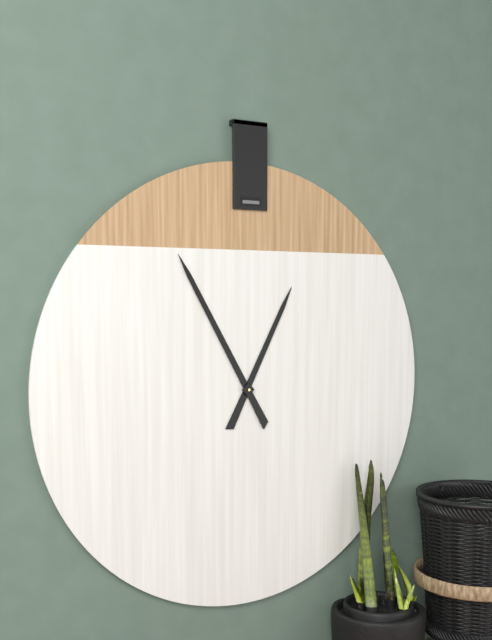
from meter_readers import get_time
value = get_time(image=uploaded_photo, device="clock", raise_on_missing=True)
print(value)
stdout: 12:55
